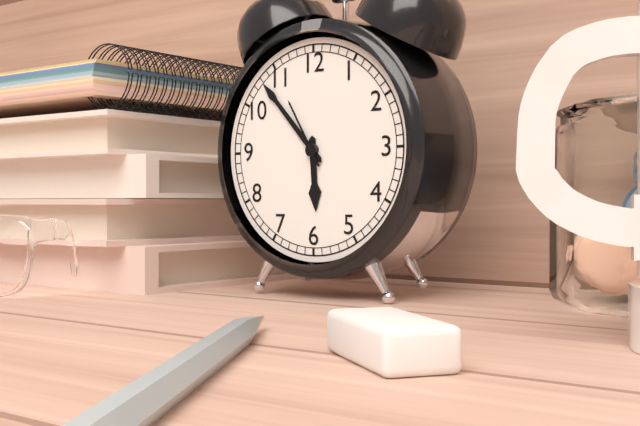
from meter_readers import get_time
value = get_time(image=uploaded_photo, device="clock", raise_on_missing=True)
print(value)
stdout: 5:53:55
